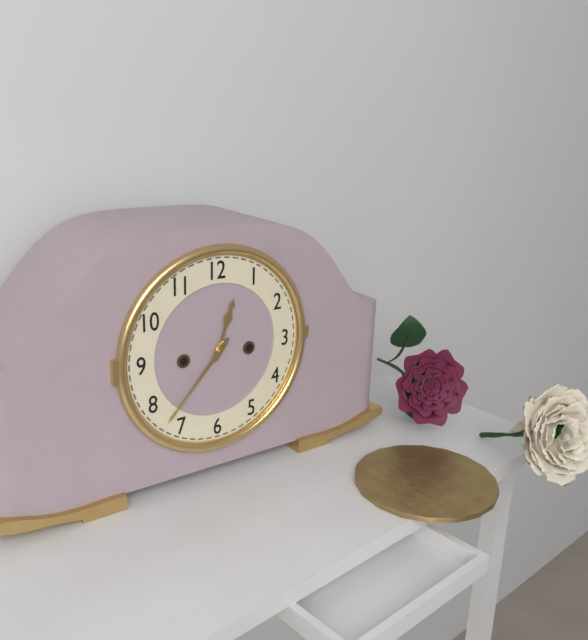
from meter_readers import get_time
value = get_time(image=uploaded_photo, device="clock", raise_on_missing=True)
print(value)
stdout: 12:37
